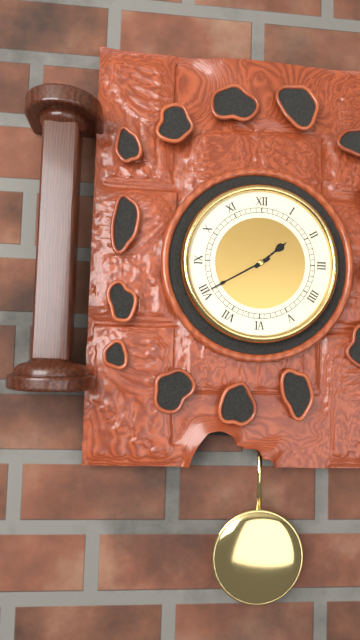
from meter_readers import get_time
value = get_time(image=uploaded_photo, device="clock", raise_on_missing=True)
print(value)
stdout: 1:40
